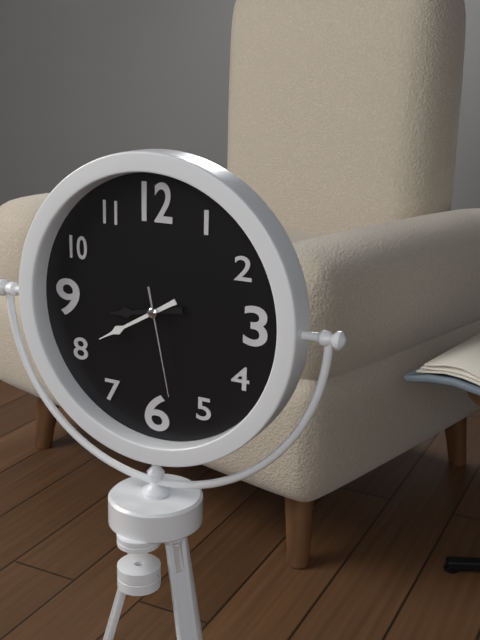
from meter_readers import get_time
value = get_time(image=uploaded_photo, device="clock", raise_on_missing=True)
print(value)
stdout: 8:40:28
